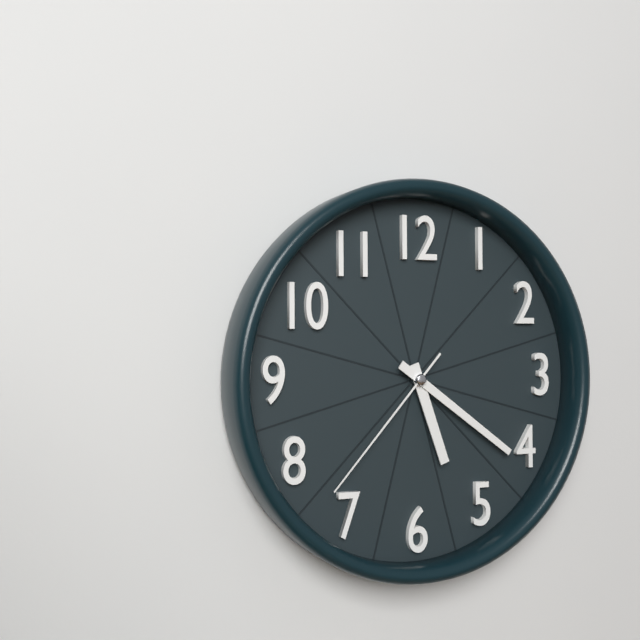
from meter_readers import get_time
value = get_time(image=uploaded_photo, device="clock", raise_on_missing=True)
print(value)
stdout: 5:21:37
